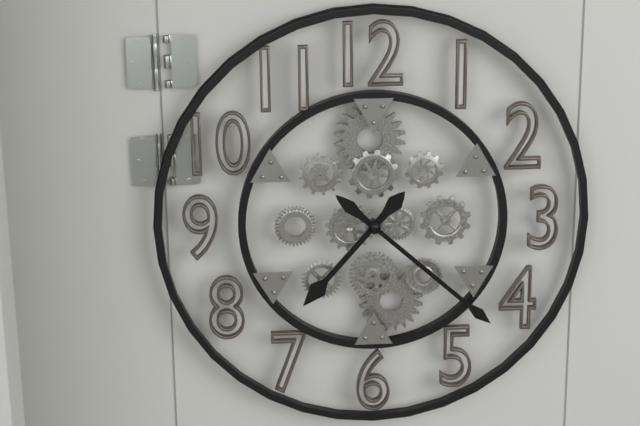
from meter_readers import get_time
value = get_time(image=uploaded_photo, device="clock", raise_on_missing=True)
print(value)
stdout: 7:22
